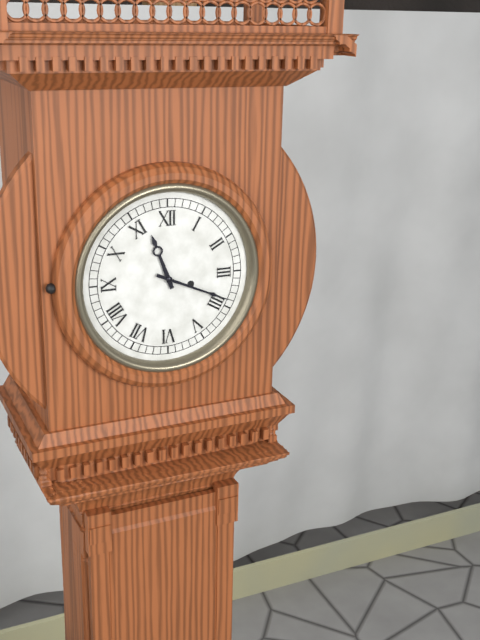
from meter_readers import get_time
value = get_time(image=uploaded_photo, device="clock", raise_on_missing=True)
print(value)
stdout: 11:19
